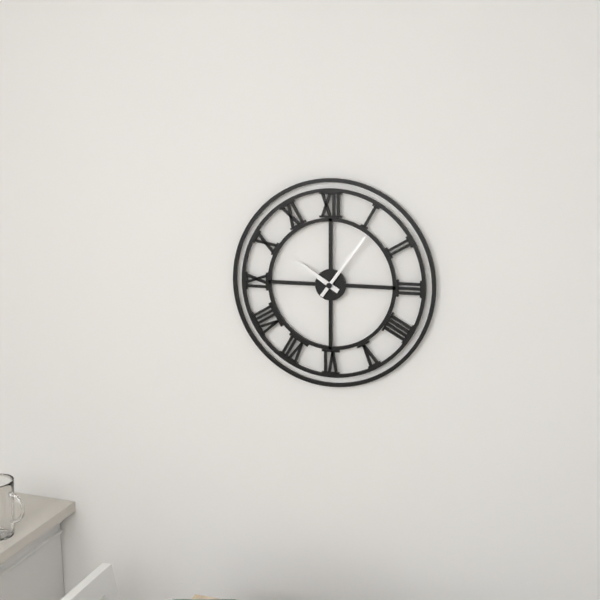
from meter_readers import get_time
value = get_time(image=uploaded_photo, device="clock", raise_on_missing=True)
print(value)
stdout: 10:06
